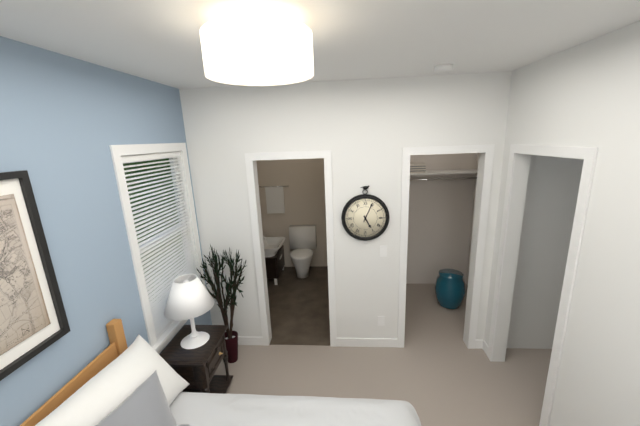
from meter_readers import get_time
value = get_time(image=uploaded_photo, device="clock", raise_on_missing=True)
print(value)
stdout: 5:04
